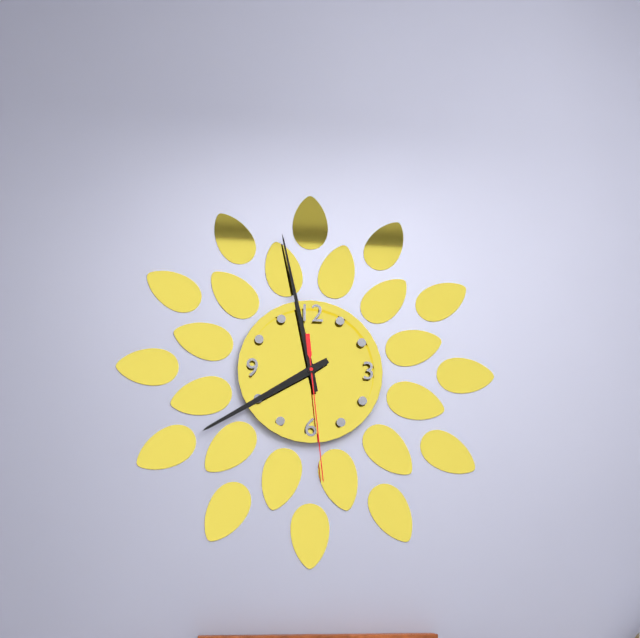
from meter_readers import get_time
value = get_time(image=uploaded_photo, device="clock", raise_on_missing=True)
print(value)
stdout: 7:58:29
